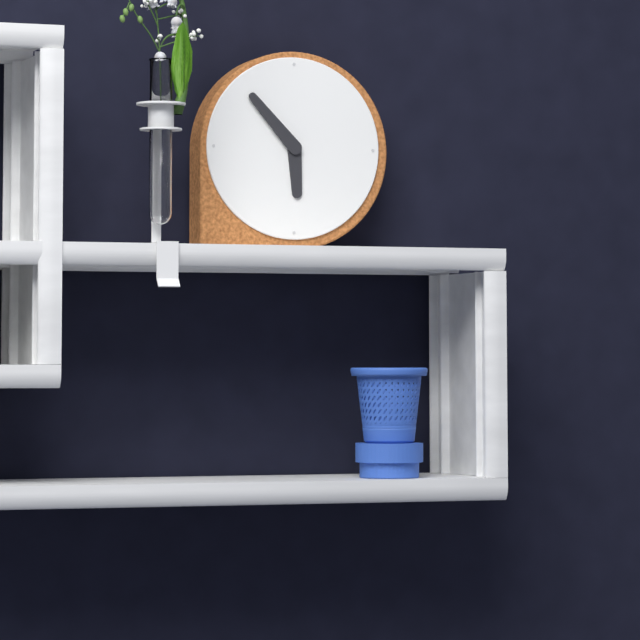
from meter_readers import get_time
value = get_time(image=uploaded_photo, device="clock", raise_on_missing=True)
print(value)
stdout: 5:53
